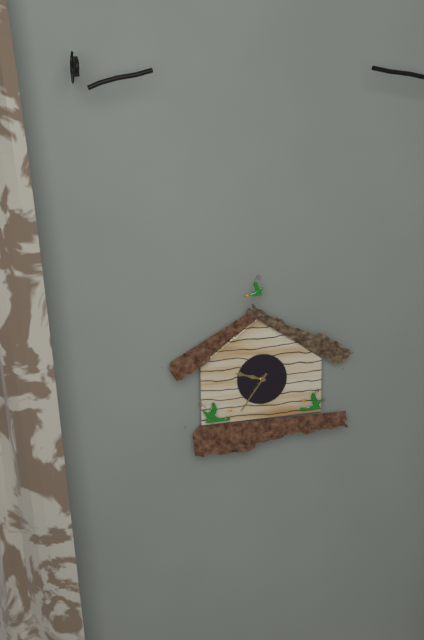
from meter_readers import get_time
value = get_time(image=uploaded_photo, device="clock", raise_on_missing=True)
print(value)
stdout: 9:36
